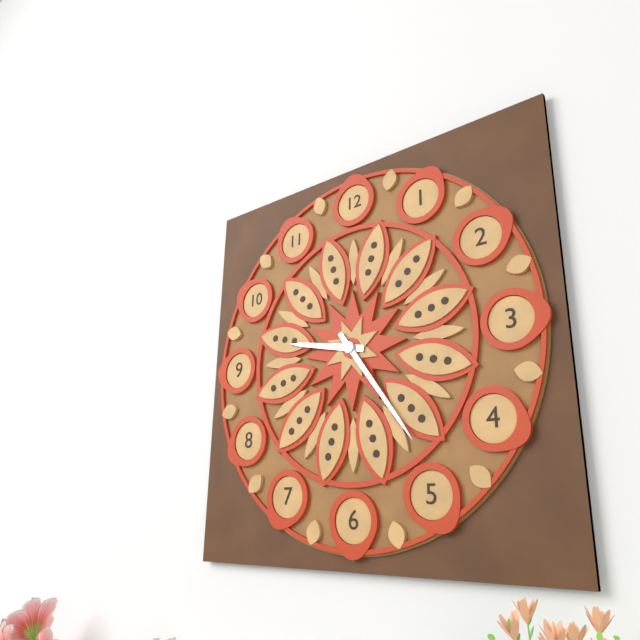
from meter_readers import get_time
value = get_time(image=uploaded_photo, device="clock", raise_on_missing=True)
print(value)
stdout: 9:24
